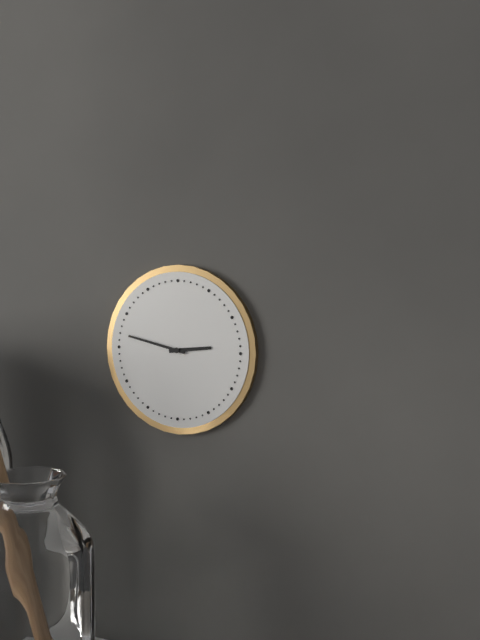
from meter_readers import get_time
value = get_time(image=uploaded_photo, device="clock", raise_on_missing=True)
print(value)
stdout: 2:47
